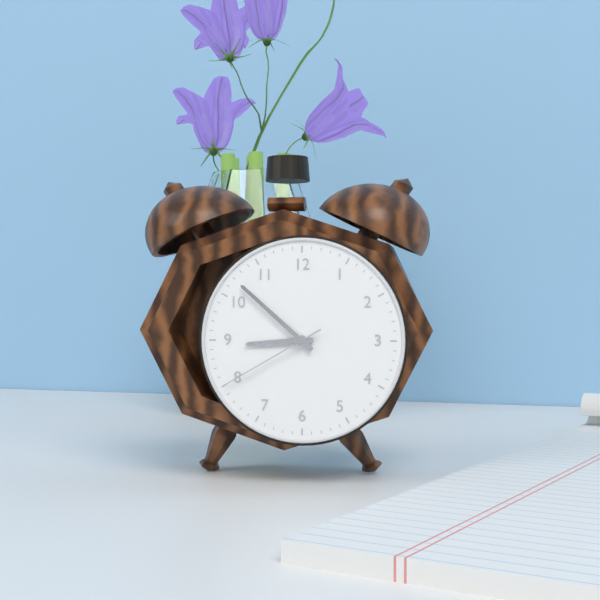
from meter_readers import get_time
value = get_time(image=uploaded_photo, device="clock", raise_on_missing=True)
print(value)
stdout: 8:52:40
